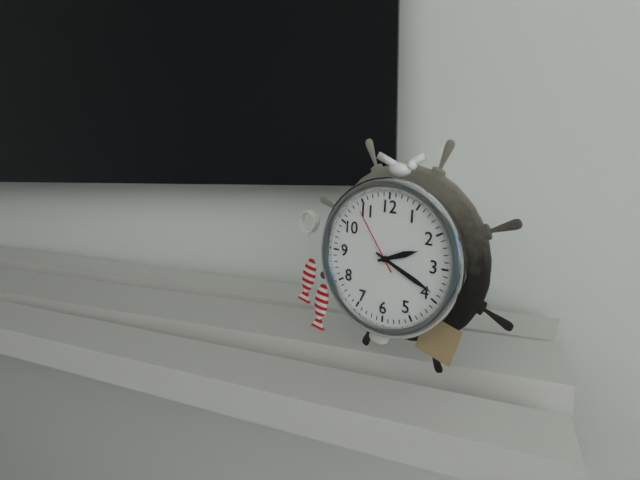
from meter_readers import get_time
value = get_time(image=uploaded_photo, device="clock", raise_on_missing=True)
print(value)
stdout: 2:19:54
